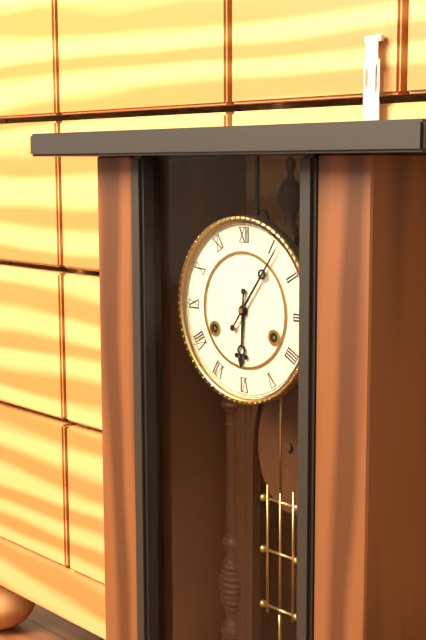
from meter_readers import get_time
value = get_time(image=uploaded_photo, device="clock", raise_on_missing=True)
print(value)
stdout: 6:06
